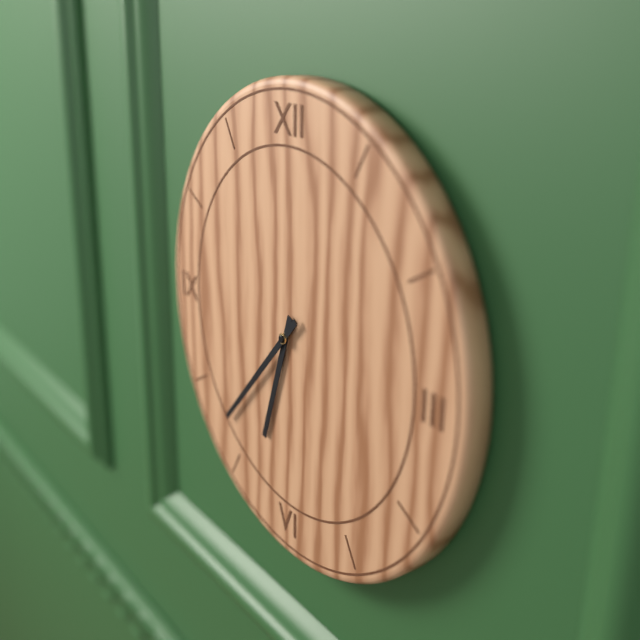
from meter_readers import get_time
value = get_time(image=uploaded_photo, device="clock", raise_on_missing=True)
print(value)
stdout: 6:37
